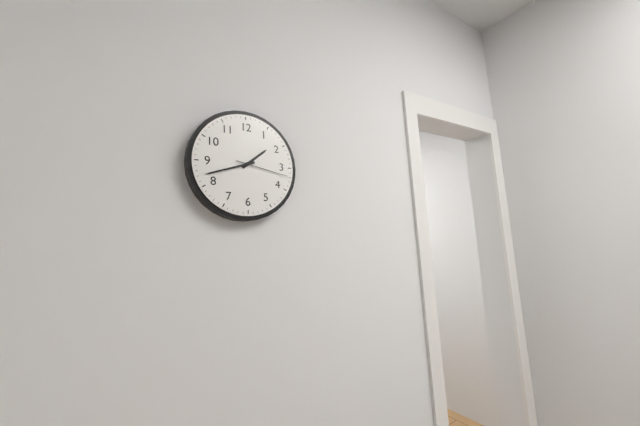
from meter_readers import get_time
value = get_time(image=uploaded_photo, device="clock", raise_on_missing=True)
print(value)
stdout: 1:42:17
